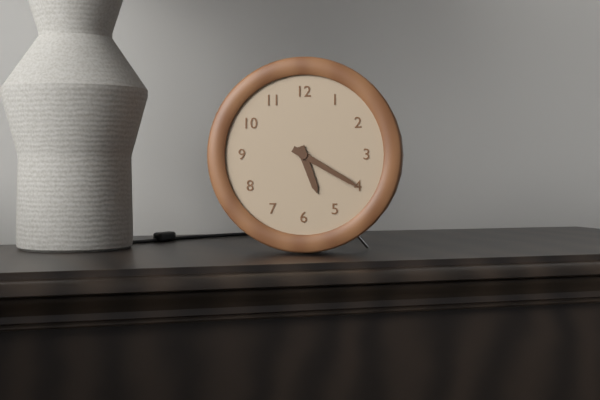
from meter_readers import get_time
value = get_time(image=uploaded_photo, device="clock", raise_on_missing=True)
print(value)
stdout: 5:20
